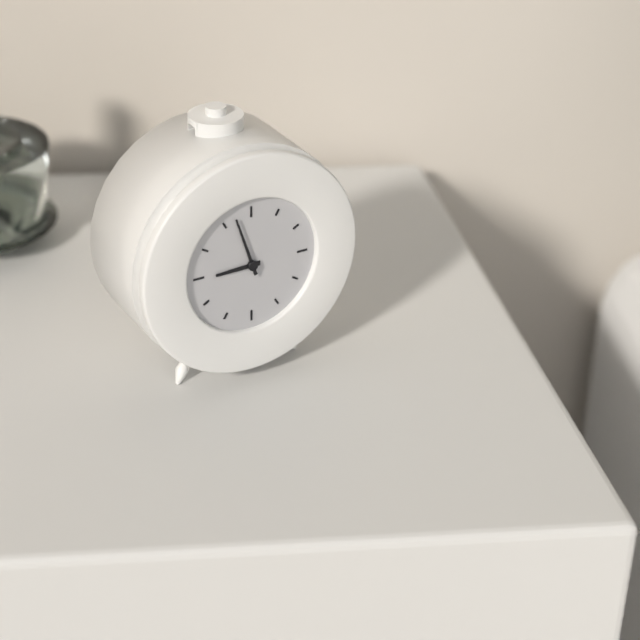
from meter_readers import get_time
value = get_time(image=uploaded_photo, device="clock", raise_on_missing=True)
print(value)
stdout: 8:57
